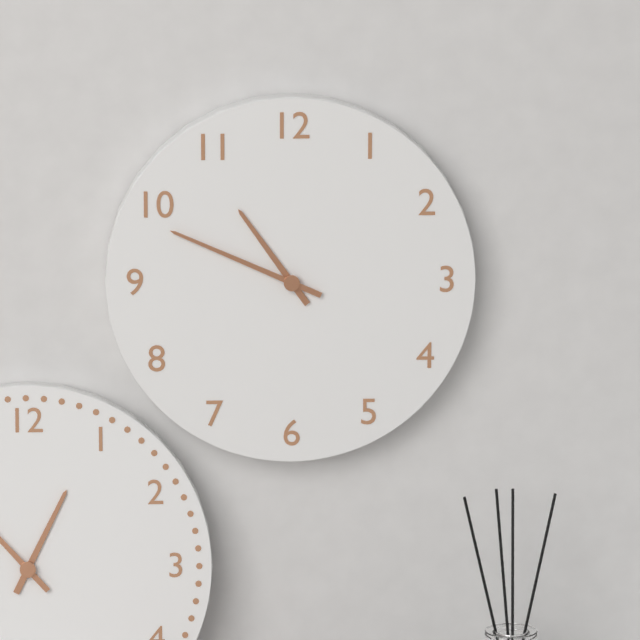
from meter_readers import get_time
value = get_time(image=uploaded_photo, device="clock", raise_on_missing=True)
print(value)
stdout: 10:49
